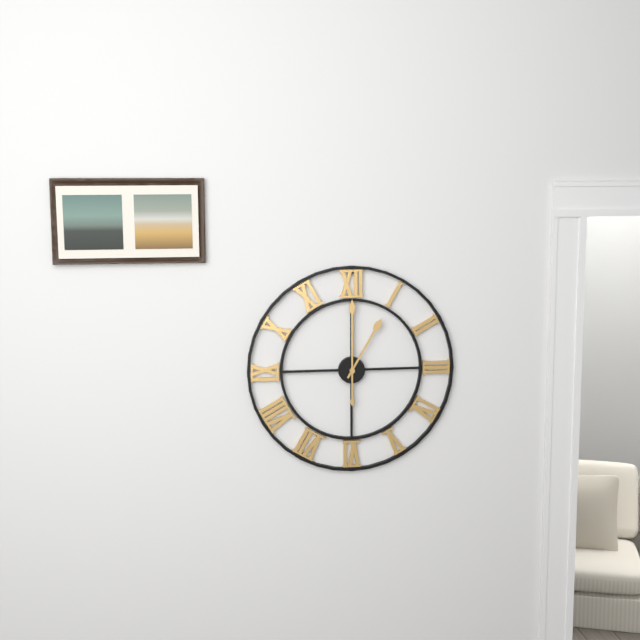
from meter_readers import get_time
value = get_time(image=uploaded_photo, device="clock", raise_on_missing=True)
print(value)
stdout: 1:00
